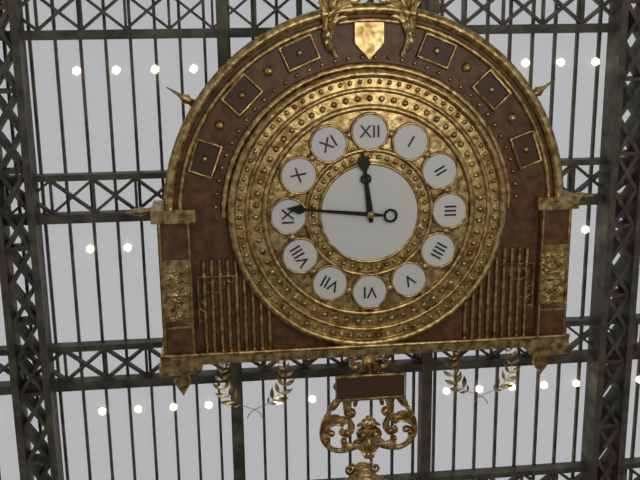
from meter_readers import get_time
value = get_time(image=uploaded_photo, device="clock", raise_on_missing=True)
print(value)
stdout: 11:46
